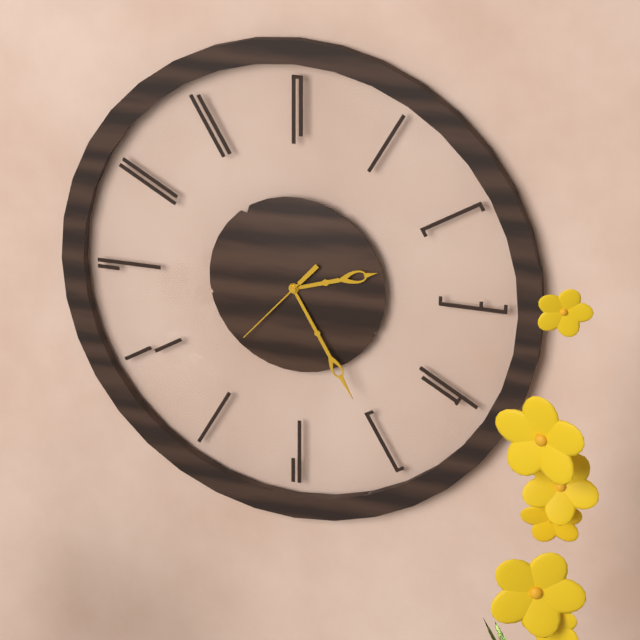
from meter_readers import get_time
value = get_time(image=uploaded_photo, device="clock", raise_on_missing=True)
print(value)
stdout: 2:25:37
